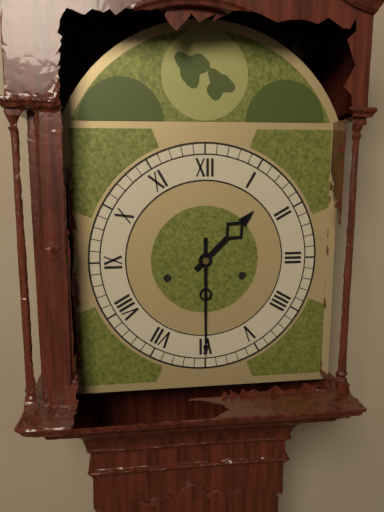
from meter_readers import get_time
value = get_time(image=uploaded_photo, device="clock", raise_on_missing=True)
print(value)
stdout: 1:30
